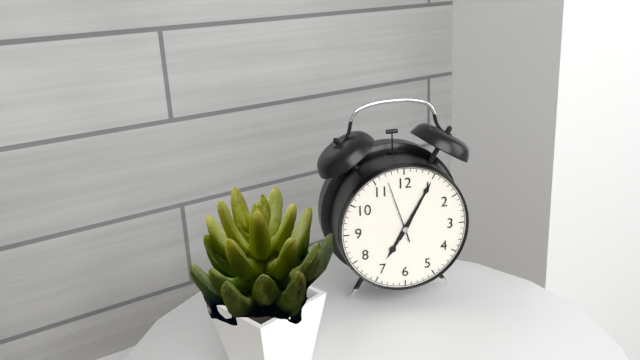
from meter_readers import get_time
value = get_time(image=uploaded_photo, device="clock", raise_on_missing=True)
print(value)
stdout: 7:05:57
